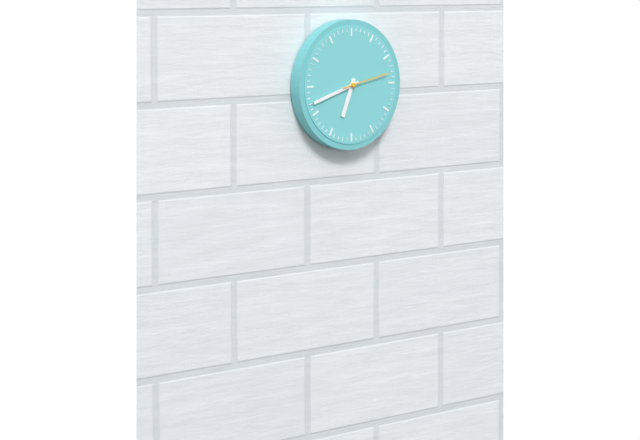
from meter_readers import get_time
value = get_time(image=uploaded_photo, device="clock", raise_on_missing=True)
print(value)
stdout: 6:42:13
